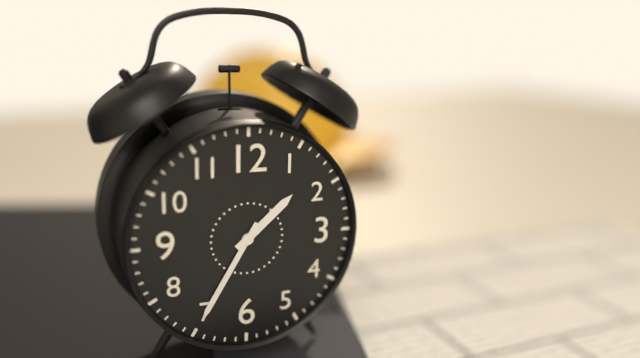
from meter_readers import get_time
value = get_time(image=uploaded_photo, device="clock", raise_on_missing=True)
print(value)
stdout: 1:35
